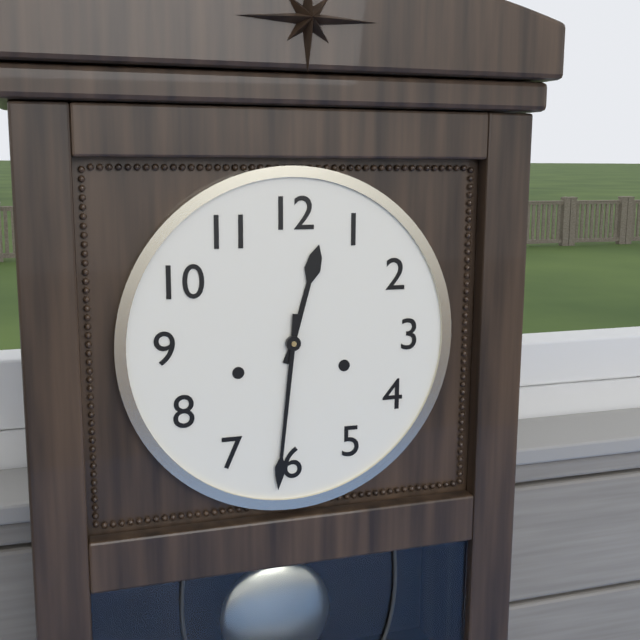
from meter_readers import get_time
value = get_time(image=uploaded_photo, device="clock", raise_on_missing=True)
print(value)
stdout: 12:31
